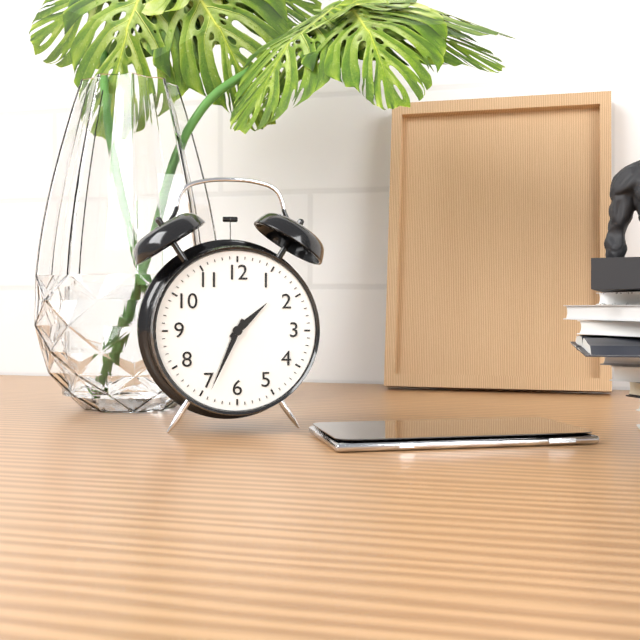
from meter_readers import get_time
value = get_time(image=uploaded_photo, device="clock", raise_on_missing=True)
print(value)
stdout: 1:34
